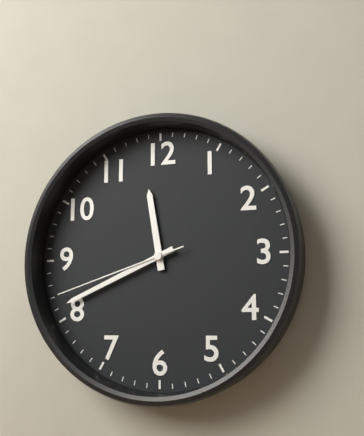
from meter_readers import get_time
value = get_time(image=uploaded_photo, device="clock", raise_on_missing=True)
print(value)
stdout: 11:41:42
